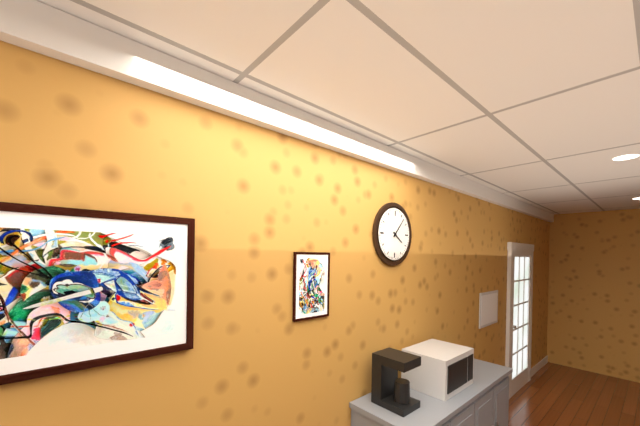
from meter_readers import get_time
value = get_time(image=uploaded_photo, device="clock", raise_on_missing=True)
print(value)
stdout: 4:07
